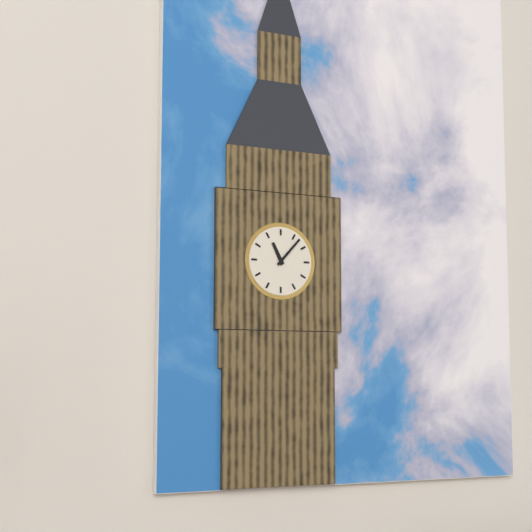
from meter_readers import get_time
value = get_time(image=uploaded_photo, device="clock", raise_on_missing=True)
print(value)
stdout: 11:07
